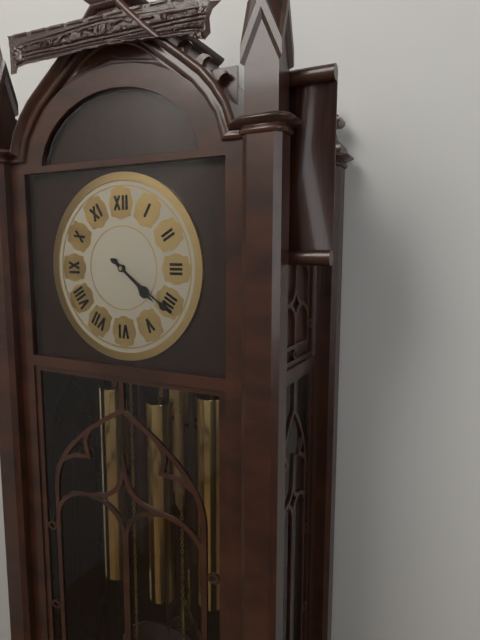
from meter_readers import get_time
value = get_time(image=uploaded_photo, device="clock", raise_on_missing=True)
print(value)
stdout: 4:21
